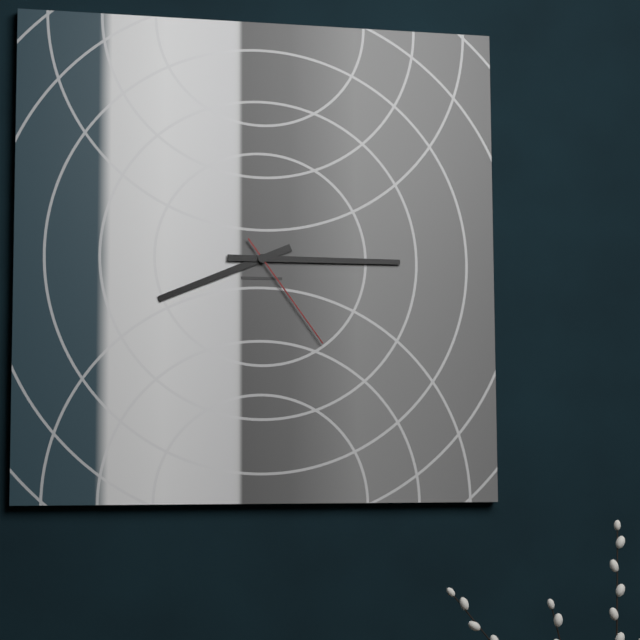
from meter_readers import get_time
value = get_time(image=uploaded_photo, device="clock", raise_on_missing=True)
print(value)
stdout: 8:15:24
